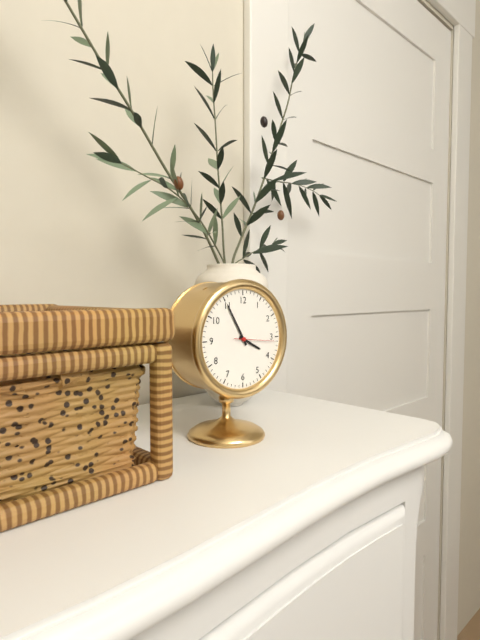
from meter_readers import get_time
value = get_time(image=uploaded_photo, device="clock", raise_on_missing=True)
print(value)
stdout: 3:55
